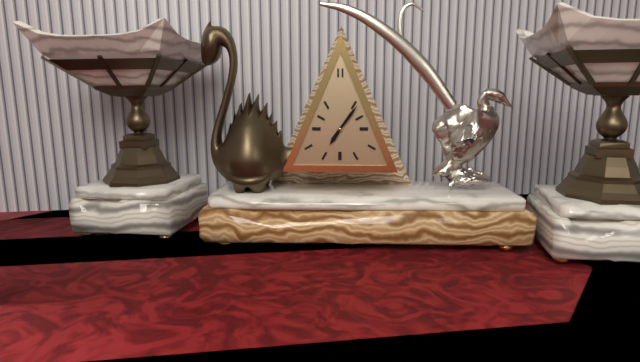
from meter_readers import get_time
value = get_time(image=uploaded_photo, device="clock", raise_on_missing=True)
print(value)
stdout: 7:06
